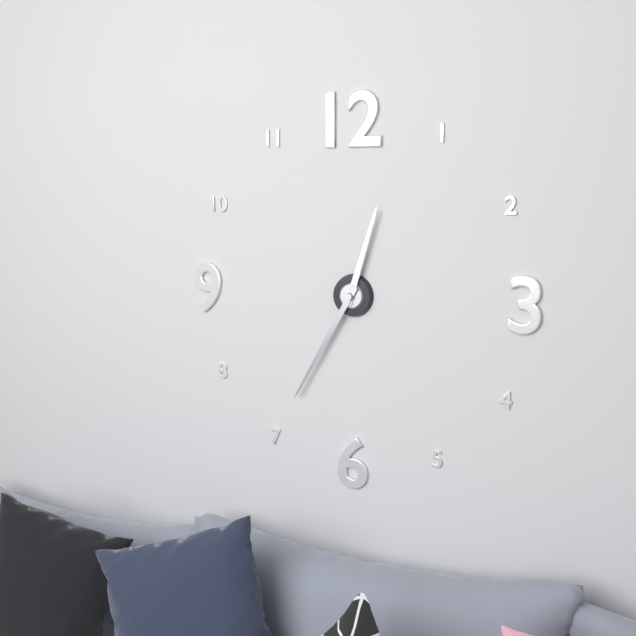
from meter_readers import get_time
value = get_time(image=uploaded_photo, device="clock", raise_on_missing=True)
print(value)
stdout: 12:35
